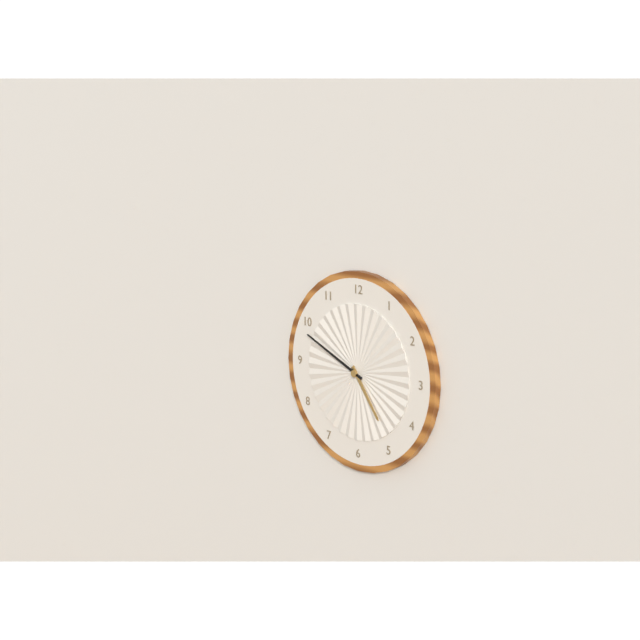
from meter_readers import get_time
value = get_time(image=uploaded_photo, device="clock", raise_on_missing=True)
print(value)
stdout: 4:49
